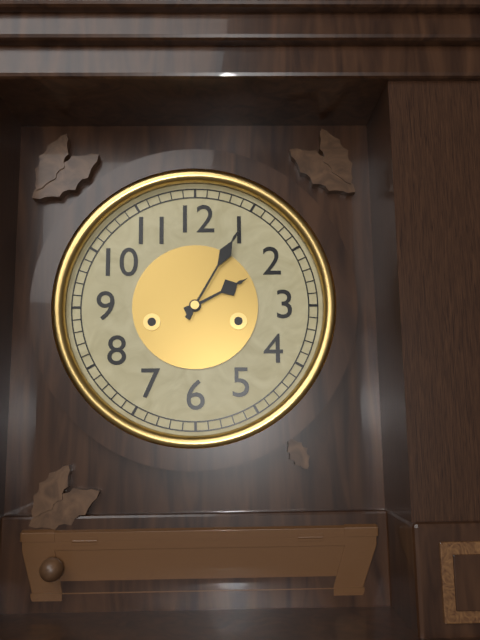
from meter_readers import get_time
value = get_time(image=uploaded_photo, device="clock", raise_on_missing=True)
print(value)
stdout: 2:05
